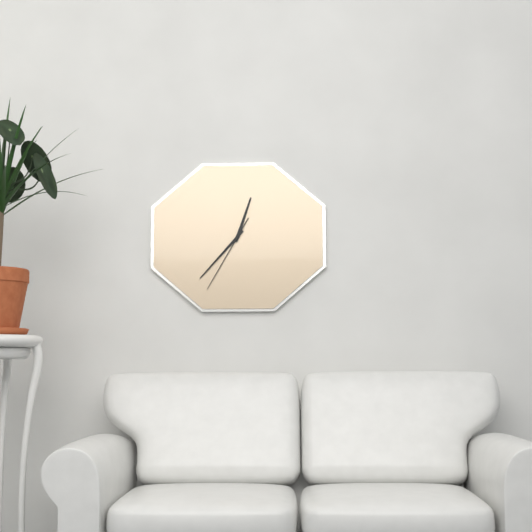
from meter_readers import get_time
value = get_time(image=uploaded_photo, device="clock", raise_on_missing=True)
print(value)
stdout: 12:37:35
